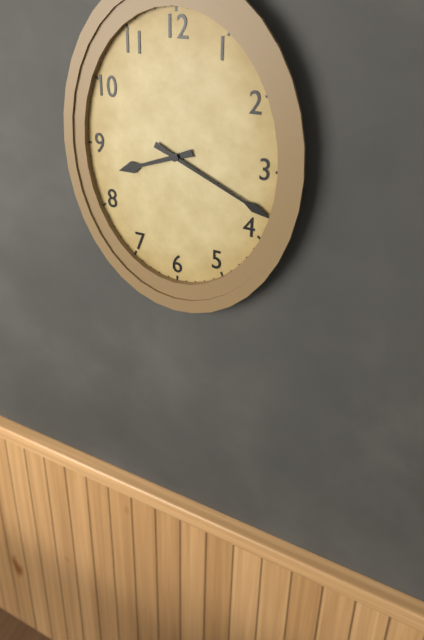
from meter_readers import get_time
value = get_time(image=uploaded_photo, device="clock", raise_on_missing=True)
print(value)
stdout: 8:19
